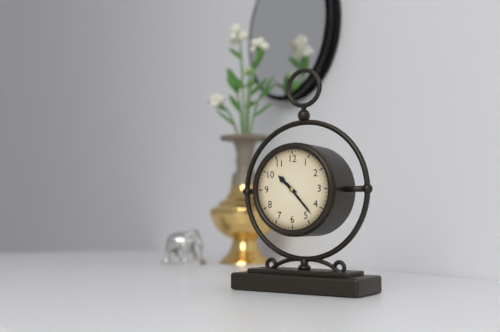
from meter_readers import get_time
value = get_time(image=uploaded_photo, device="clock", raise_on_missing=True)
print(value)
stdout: 10:23
